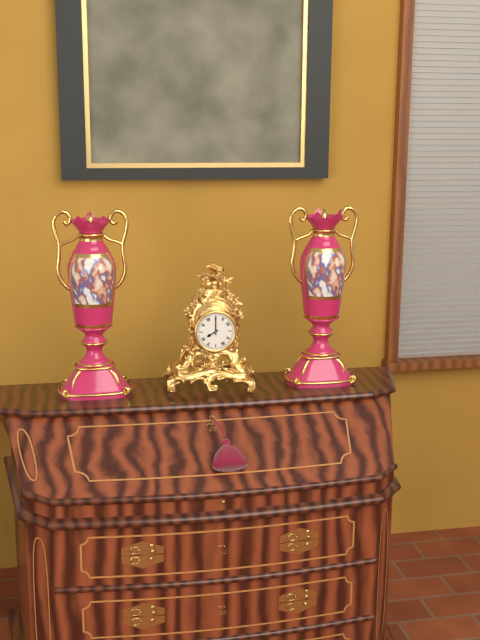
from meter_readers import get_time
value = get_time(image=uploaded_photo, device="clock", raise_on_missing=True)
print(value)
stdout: 8:00
